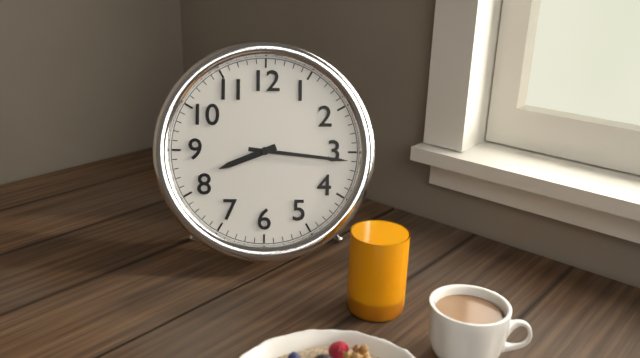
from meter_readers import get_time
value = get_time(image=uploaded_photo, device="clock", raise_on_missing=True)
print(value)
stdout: 8:16
